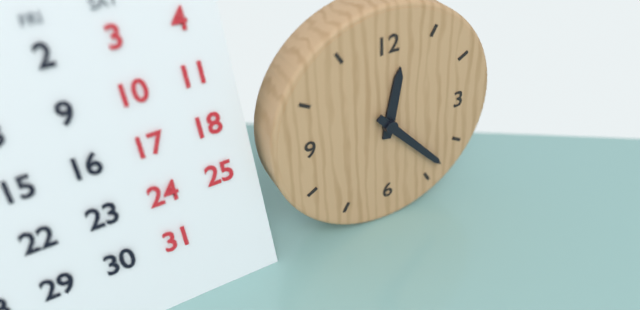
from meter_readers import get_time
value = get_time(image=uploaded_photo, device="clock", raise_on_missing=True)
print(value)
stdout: 12:23
